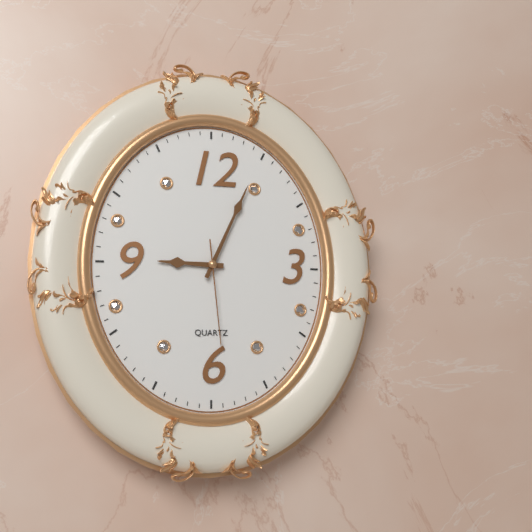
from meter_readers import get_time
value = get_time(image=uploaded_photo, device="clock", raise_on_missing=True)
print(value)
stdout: 9:04:29
